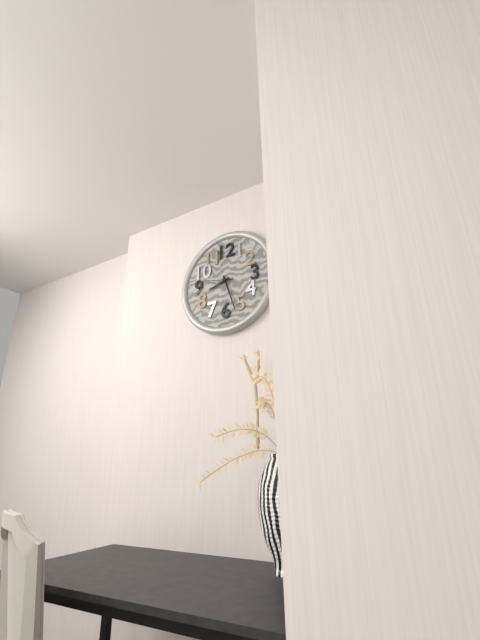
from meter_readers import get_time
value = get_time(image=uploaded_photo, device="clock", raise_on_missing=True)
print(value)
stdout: 8:27
